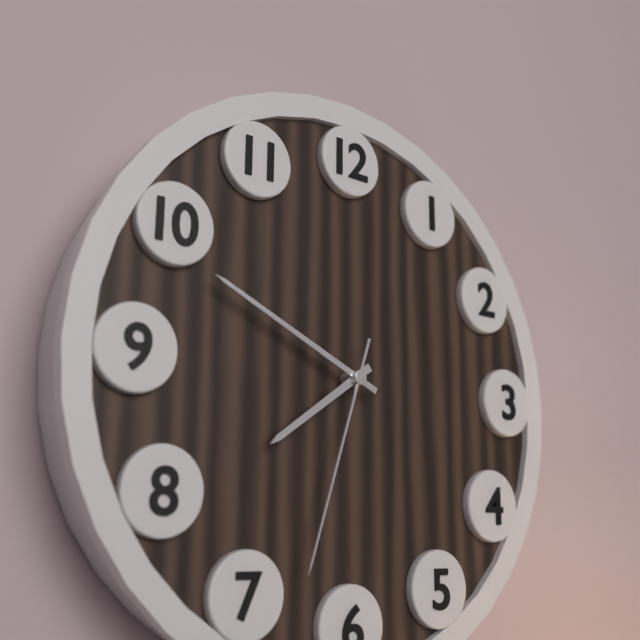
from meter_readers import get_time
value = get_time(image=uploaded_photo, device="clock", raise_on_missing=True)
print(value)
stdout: 7:49:33
